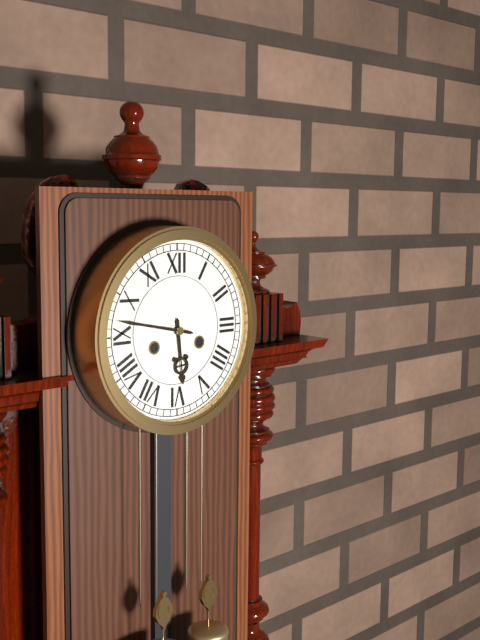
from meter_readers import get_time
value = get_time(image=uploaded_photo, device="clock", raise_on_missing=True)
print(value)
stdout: 5:47
